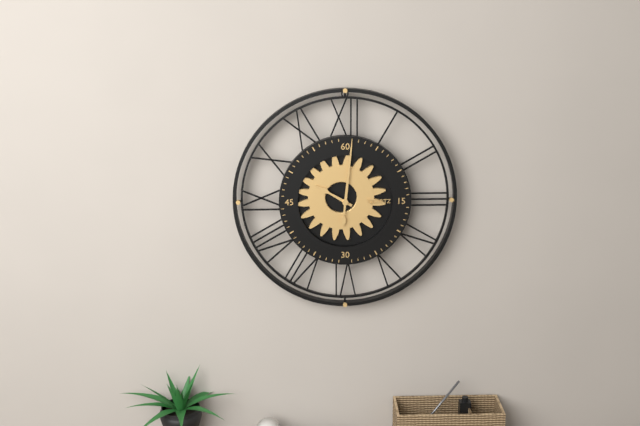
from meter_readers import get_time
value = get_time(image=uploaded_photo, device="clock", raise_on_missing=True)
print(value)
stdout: 10:01
